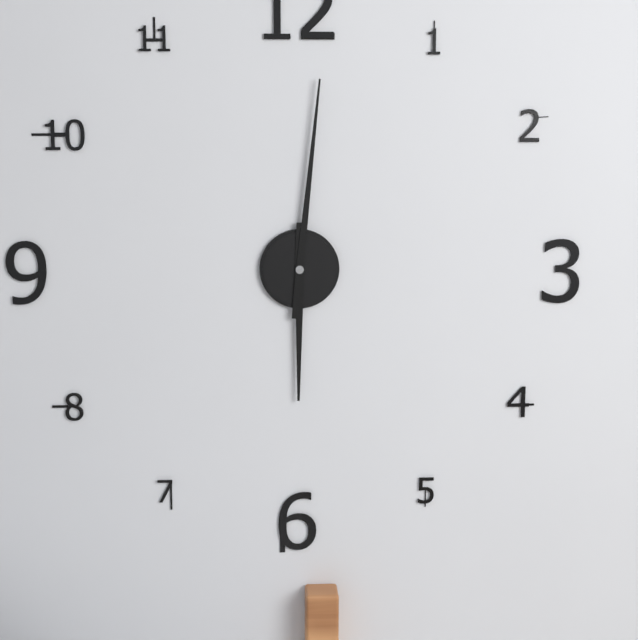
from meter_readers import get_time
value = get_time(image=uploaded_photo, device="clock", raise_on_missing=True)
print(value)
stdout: 6:01
